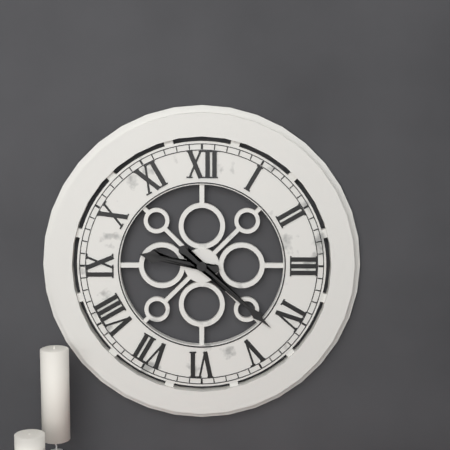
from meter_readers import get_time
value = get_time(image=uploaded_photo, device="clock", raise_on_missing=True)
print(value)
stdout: 9:22
